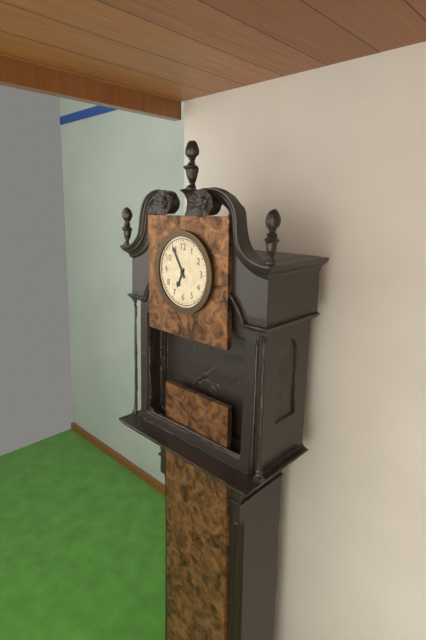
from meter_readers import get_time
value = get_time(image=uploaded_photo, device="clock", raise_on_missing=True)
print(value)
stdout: 6:55
